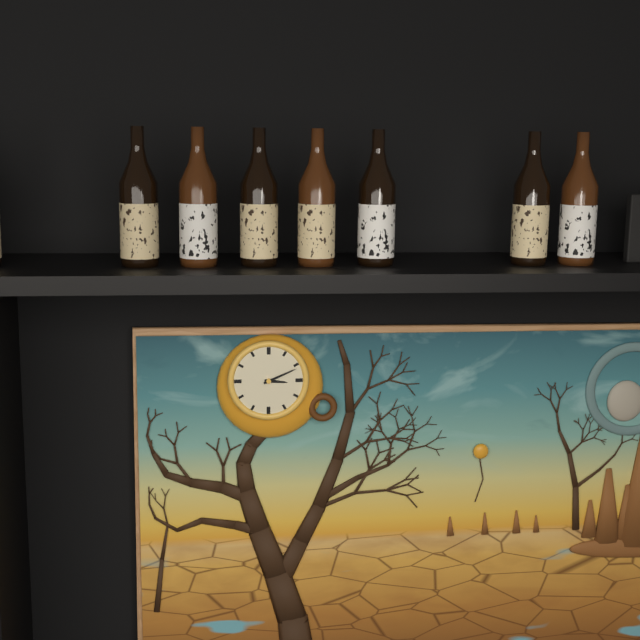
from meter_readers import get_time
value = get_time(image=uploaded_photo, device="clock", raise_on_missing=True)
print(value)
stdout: 3:11
